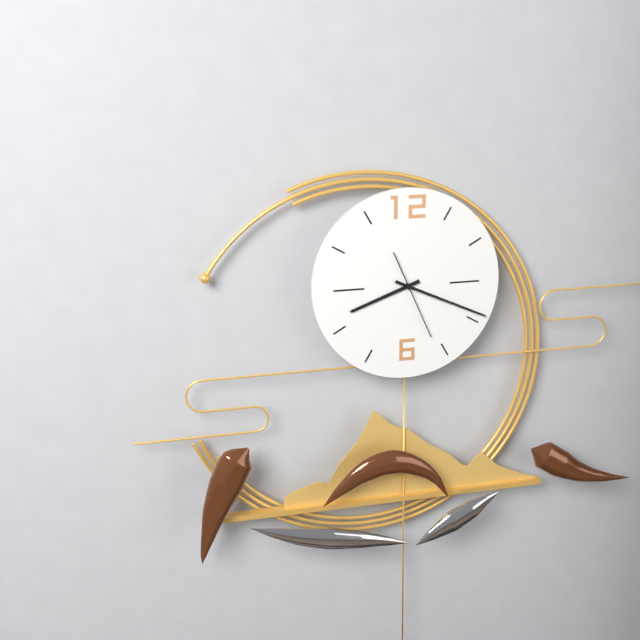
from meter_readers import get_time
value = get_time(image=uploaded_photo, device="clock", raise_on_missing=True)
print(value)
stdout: 8:19:26
